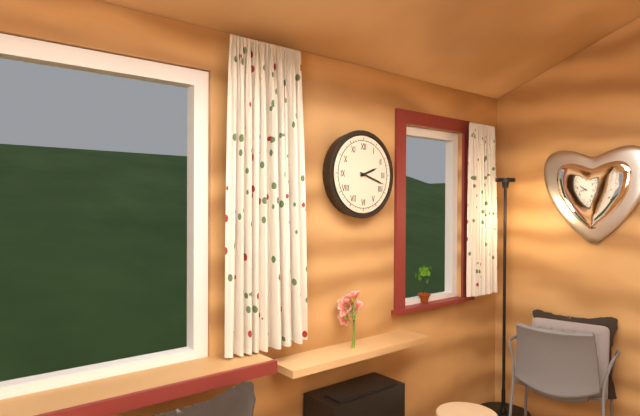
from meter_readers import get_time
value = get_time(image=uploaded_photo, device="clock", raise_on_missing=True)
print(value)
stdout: 2:18
